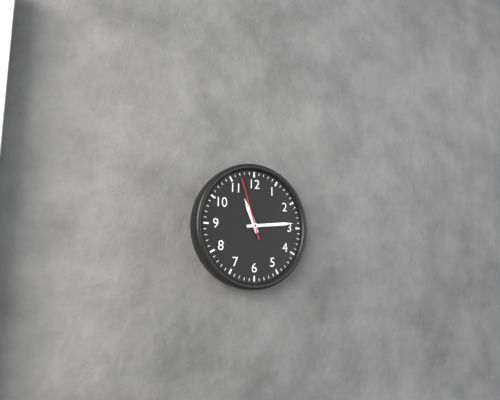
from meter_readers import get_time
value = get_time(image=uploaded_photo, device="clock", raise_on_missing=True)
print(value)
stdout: 11:14:57
